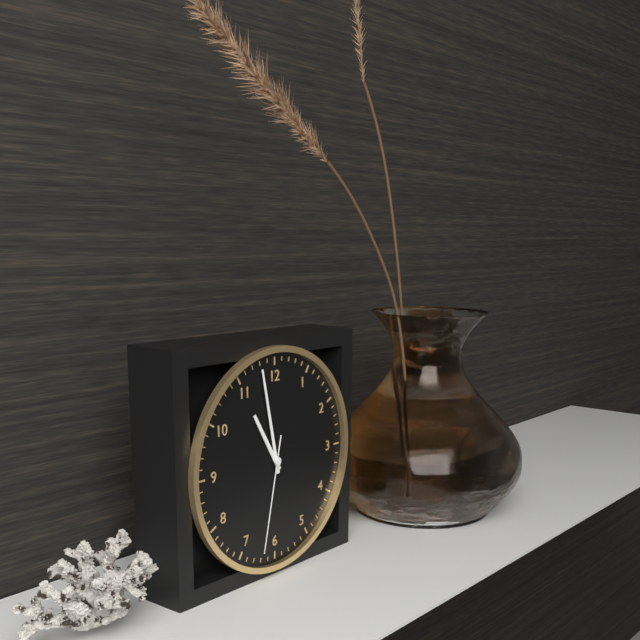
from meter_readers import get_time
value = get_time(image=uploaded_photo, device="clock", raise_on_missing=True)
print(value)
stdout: 10:58:32
